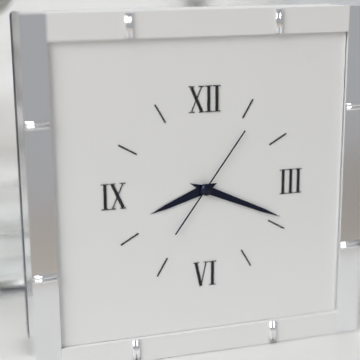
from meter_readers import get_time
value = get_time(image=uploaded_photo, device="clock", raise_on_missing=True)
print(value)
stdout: 8:19:06
